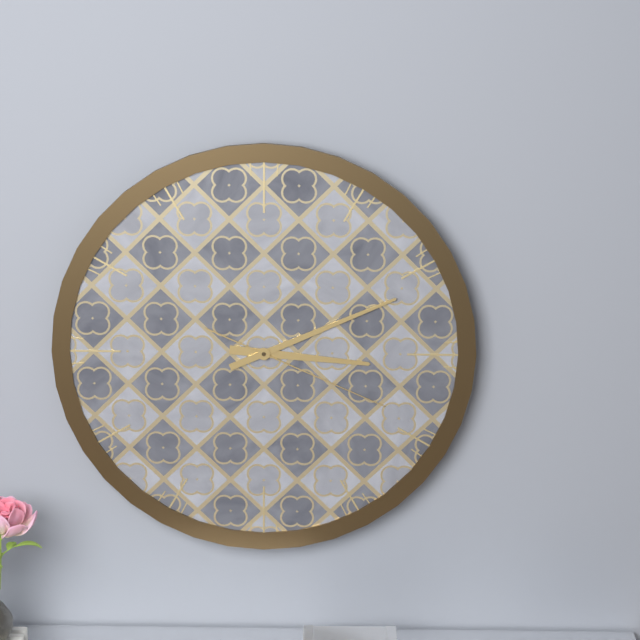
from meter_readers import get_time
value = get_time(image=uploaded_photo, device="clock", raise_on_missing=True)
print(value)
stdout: 3:11:19
